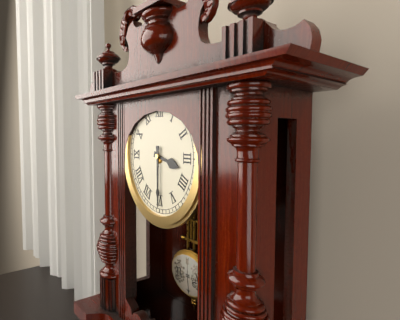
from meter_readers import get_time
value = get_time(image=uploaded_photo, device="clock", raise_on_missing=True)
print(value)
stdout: 3:30
